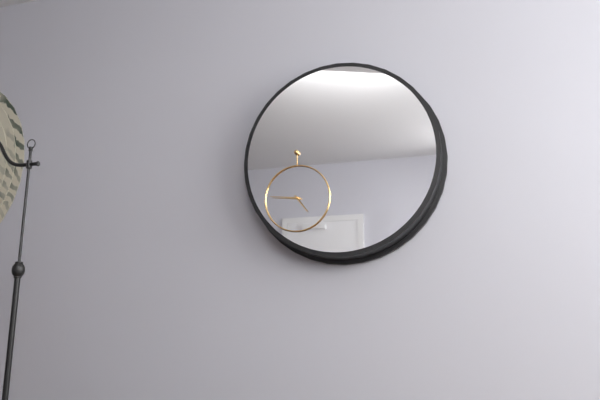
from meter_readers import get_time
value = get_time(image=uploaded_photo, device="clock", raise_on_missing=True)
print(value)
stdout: 4:46
